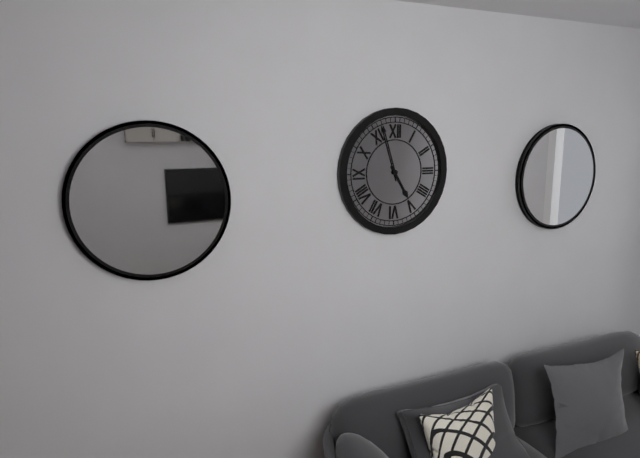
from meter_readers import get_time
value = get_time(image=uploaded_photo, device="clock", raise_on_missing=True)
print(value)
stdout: 4:57
